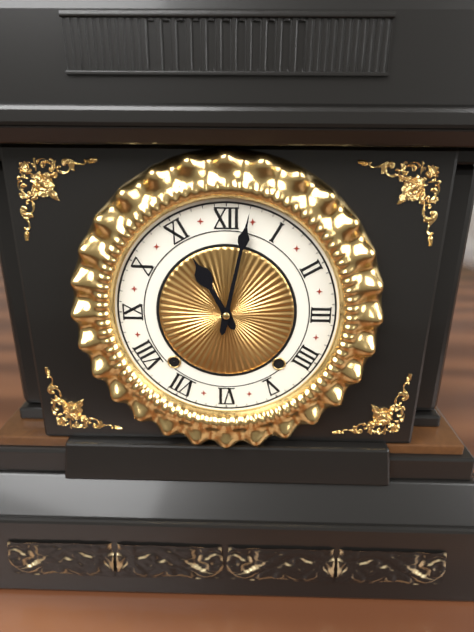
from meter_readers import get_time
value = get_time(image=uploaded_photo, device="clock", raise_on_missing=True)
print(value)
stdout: 11:02
